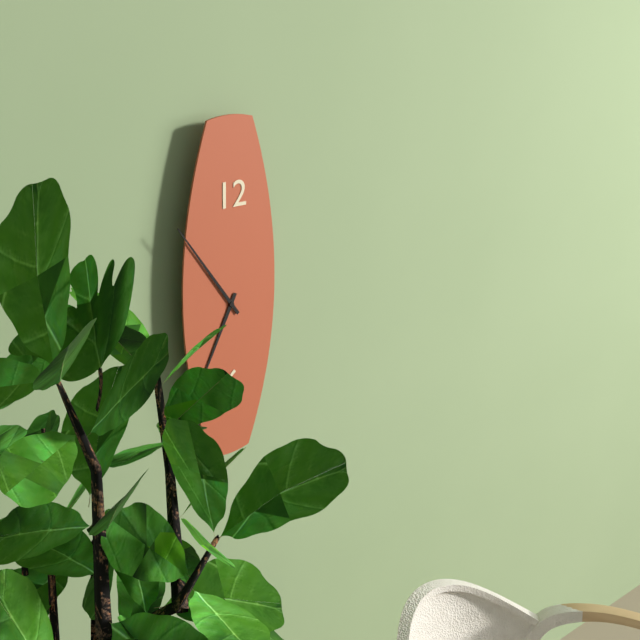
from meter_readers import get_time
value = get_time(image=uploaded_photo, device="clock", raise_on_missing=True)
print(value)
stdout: 6:54
